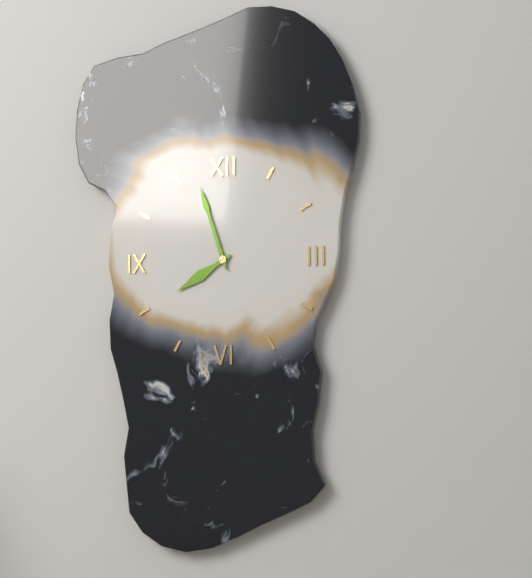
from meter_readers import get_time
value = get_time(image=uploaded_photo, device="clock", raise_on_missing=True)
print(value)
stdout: 7:57
